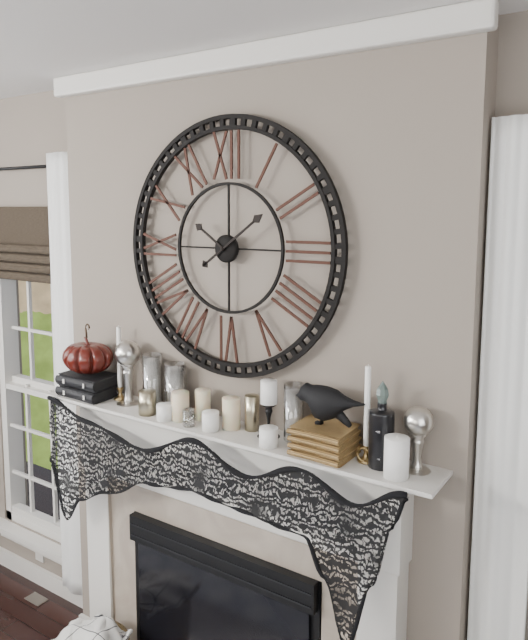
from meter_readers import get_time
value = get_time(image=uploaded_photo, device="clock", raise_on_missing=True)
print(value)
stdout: 10:09
